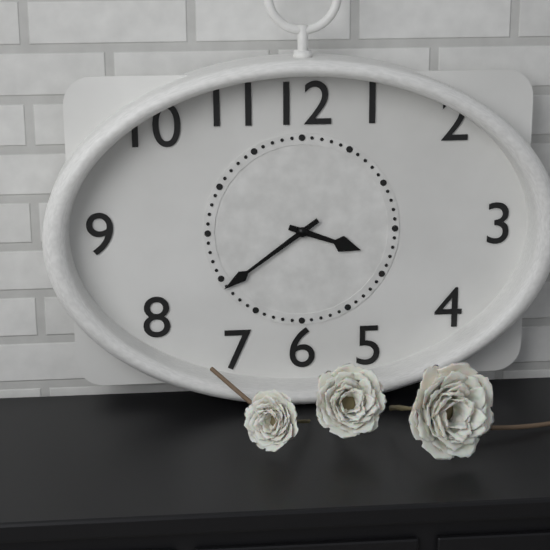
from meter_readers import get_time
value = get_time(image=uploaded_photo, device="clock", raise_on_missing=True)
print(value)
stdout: 3:39
